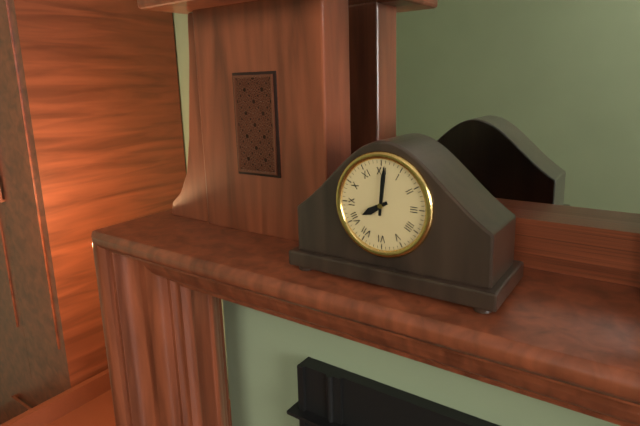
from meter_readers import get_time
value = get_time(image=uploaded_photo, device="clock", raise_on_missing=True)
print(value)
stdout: 8:01
